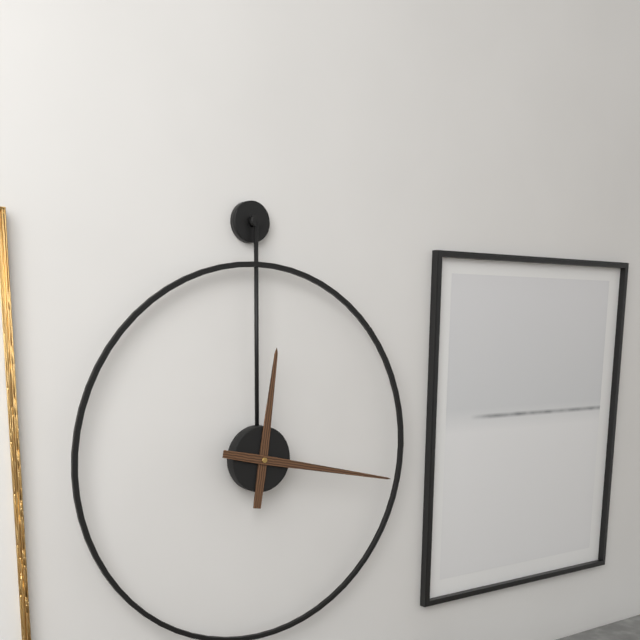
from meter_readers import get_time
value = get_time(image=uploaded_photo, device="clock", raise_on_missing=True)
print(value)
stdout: 12:17
